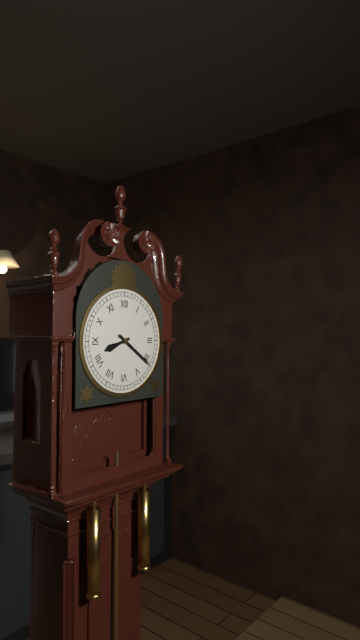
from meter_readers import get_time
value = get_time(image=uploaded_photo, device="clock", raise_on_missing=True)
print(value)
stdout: 8:21
